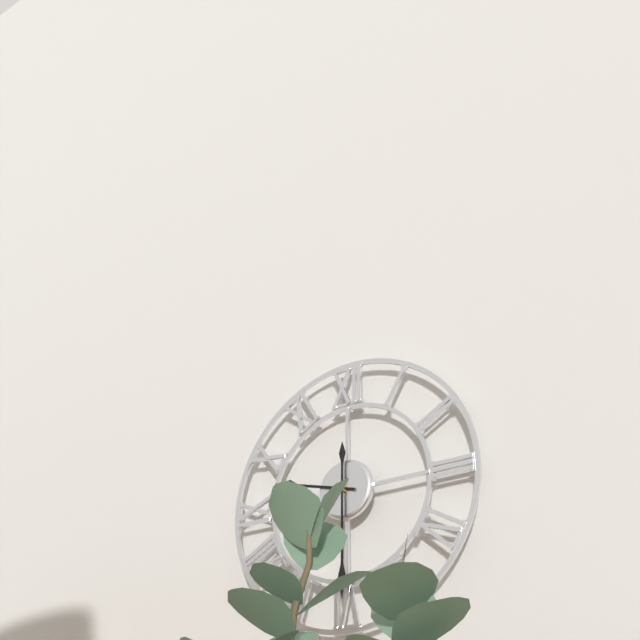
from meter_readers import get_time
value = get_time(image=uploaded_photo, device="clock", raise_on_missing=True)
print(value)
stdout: 9:30
